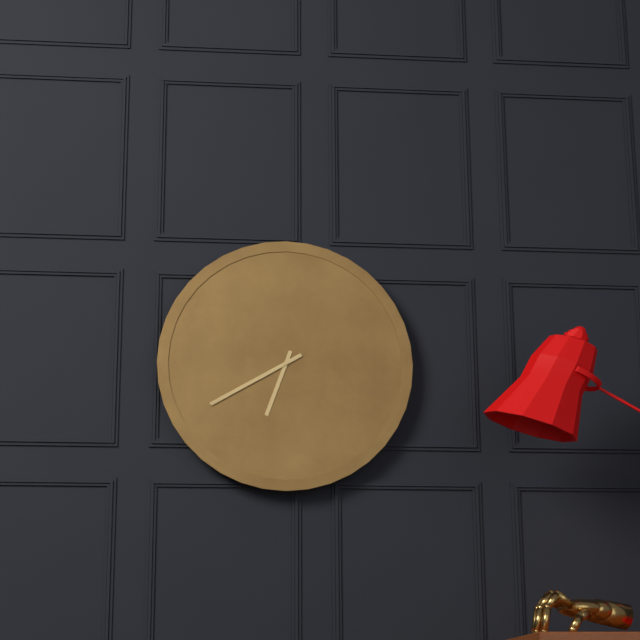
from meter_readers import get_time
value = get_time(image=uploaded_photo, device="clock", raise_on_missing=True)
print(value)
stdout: 6:40
